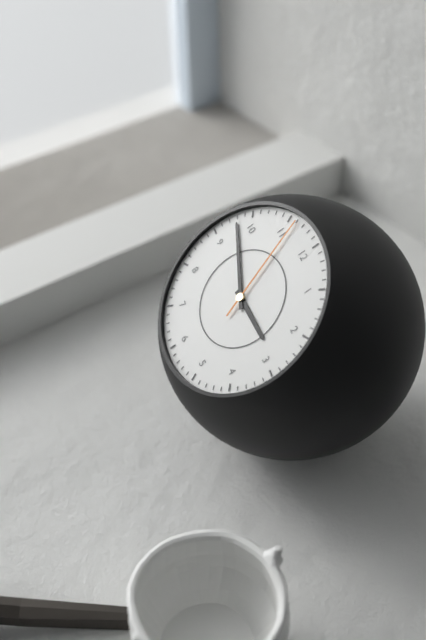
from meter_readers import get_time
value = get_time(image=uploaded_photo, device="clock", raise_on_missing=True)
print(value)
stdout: 2:48:56
